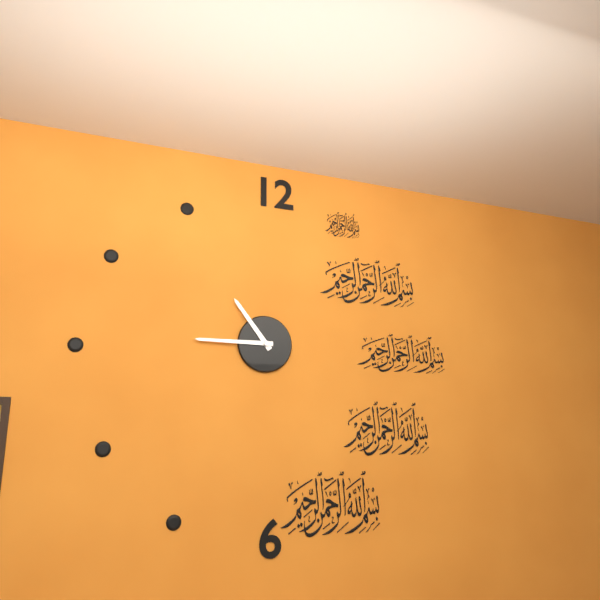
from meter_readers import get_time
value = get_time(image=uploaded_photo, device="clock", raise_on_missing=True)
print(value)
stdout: 10:45
